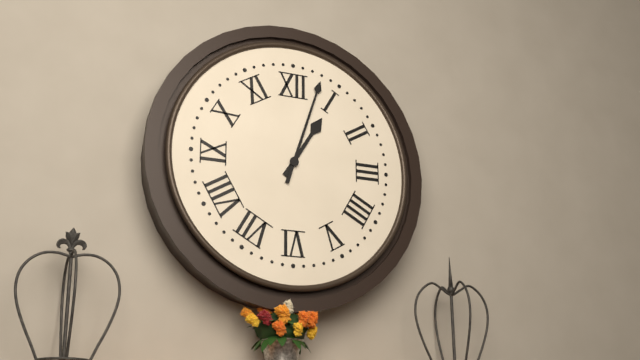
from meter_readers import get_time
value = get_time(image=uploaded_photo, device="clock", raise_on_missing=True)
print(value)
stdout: 1:03
